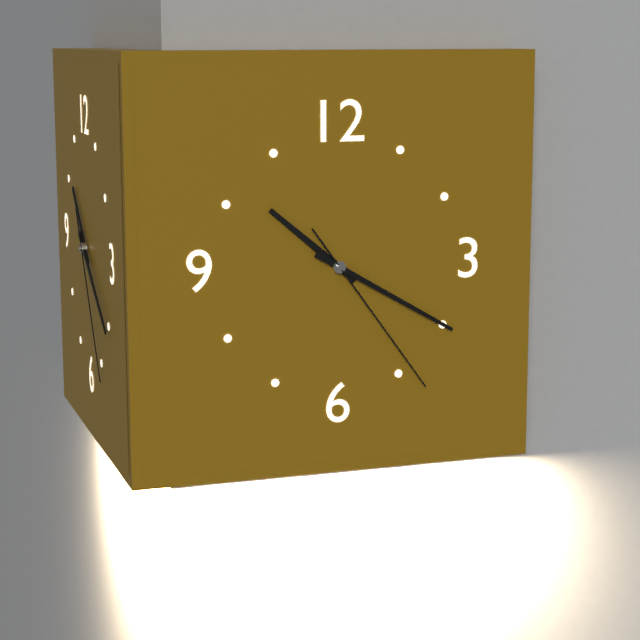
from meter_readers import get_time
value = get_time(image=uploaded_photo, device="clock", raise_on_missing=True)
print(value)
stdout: 10:20:24
